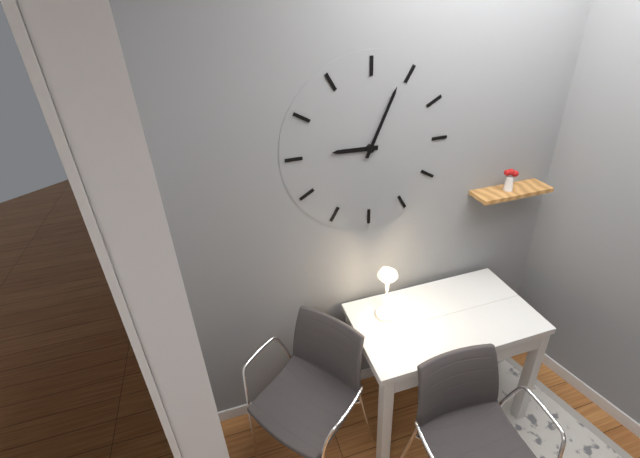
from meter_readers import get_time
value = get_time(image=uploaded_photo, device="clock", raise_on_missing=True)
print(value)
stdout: 9:04
